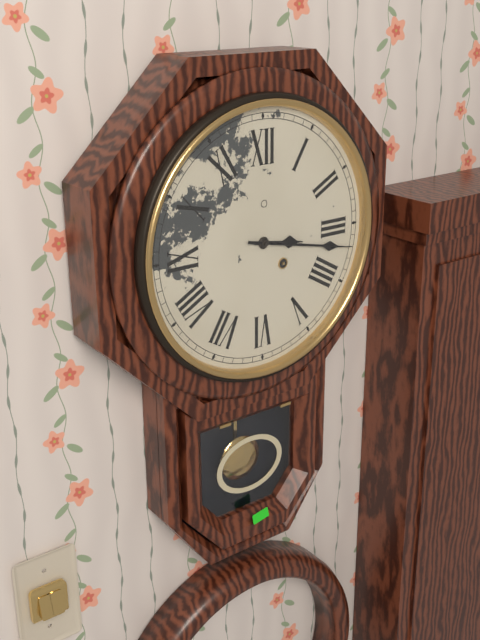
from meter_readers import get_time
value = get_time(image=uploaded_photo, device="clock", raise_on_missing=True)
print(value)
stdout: 3:17
